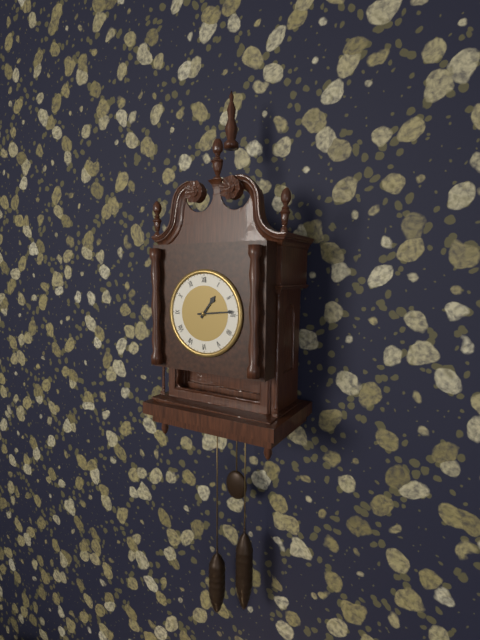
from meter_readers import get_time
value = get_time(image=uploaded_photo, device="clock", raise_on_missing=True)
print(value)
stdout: 1:14
